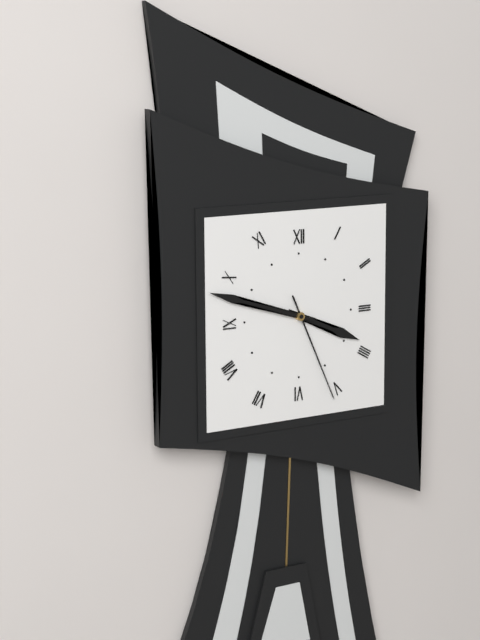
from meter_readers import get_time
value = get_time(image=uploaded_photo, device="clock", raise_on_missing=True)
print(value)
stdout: 3:48:26
